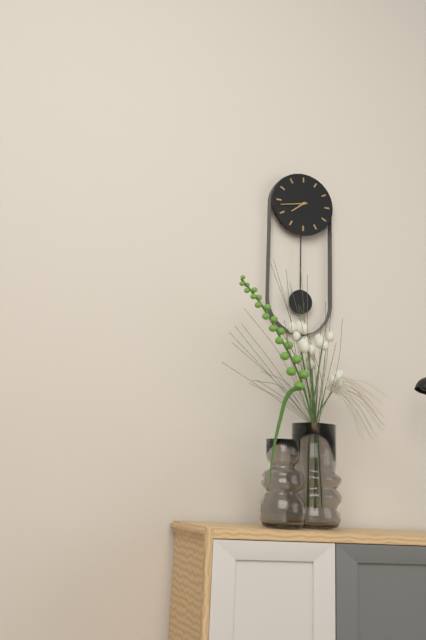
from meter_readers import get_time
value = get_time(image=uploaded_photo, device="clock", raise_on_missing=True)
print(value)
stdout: 7:43
